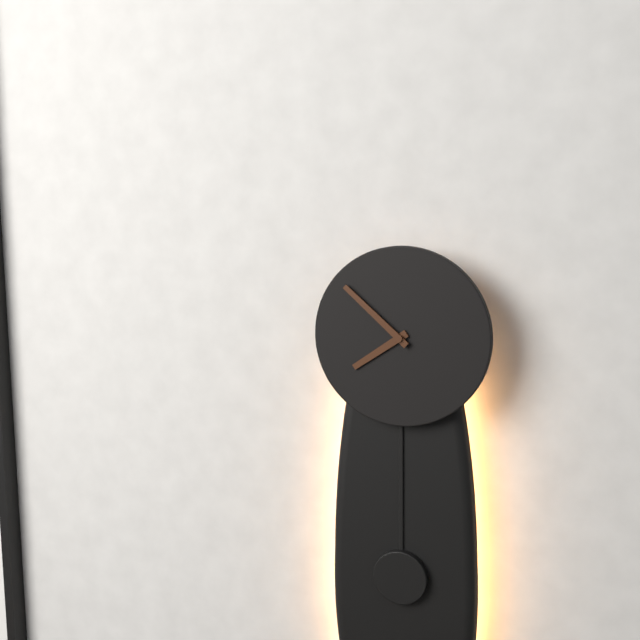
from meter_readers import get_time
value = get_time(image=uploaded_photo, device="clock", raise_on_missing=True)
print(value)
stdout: 7:52
